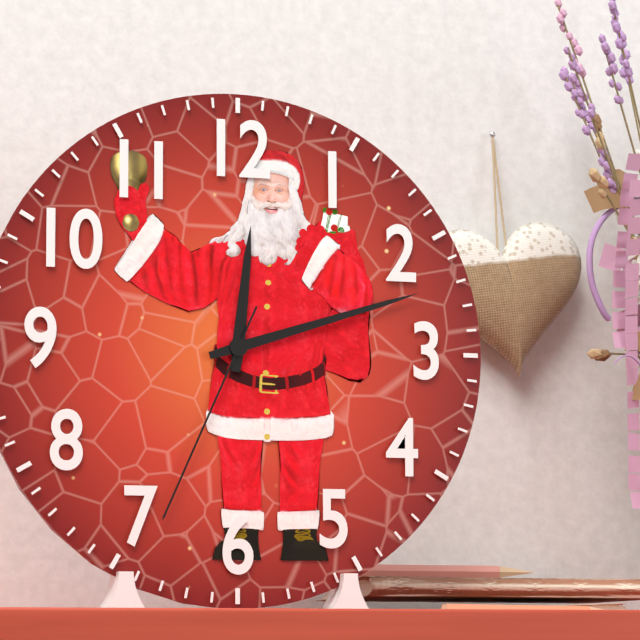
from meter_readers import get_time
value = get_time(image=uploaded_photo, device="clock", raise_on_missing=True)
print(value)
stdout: 12:12:34
